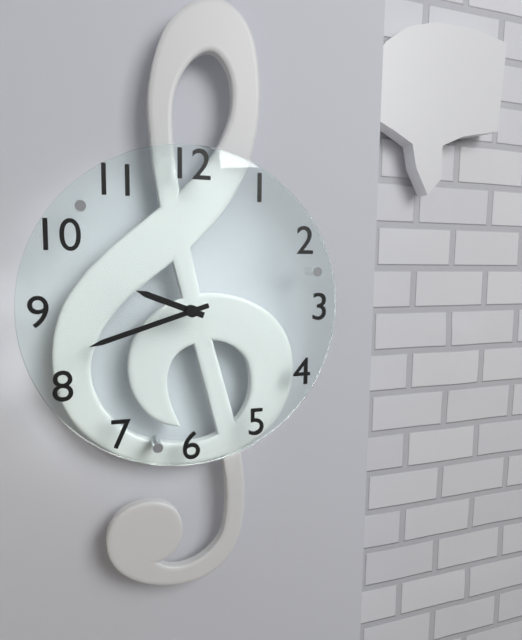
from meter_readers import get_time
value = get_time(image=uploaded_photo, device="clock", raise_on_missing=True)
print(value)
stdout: 9:42
